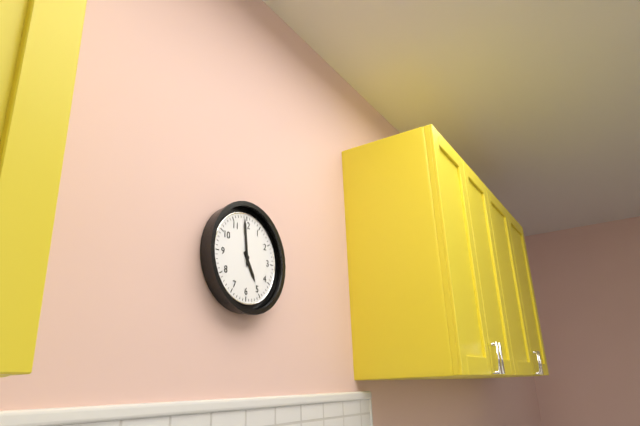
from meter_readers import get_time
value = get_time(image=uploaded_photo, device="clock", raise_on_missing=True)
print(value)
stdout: 4:59
